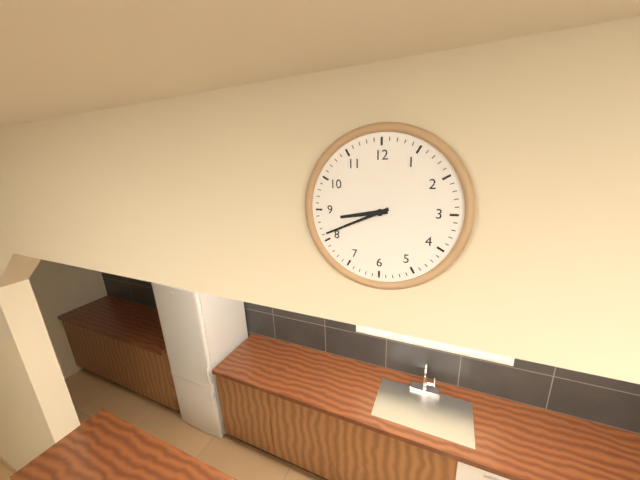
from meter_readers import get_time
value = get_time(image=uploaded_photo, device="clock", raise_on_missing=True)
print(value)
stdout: 8:41
